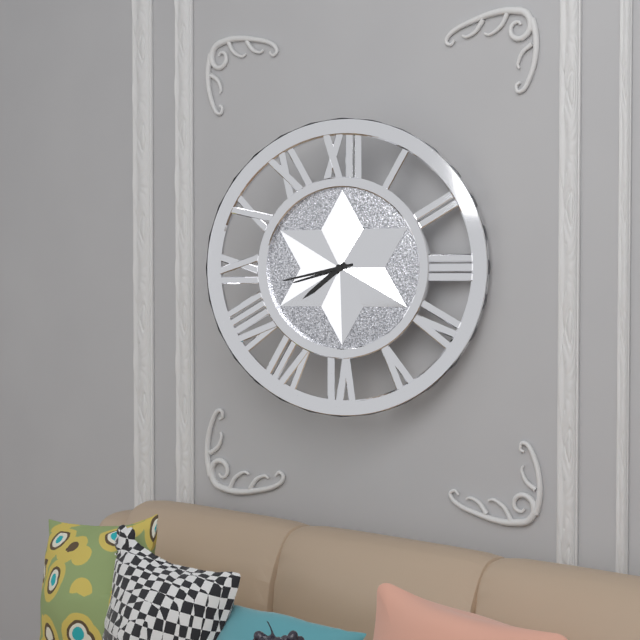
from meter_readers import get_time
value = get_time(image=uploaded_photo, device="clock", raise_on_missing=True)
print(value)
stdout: 7:43
